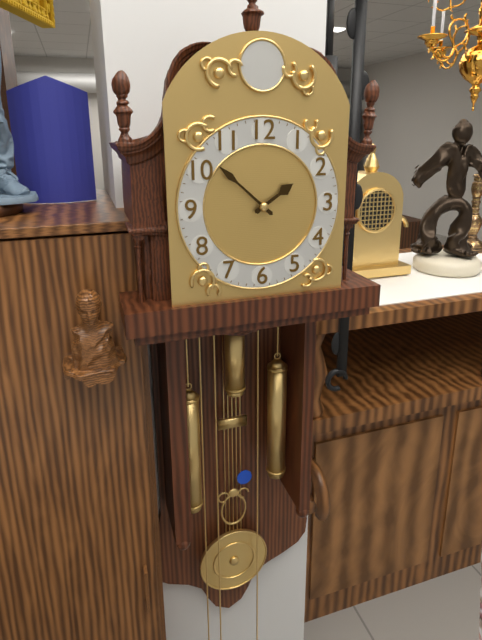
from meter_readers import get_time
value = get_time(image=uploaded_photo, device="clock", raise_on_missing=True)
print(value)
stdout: 1:52
